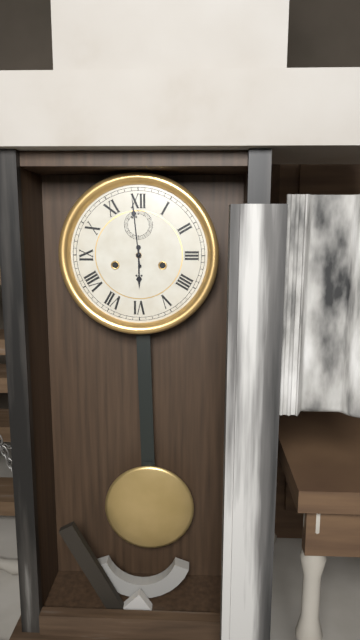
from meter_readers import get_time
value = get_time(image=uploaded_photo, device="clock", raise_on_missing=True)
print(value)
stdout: 5:59
